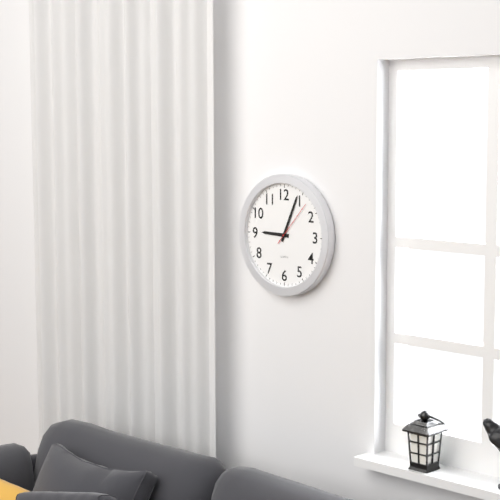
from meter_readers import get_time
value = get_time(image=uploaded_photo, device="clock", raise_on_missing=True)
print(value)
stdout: 9:04
